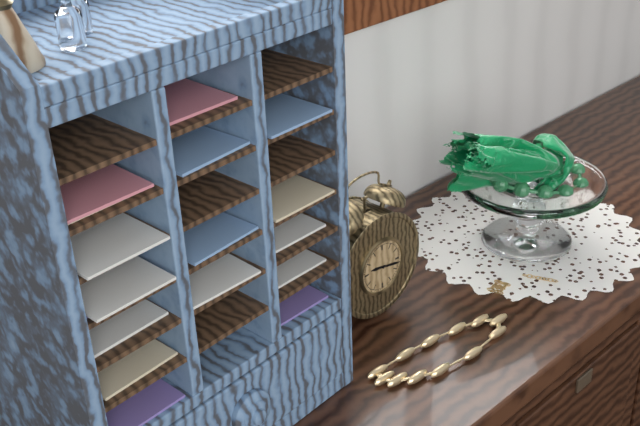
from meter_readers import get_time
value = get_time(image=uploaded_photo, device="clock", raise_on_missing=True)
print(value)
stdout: 9:17
